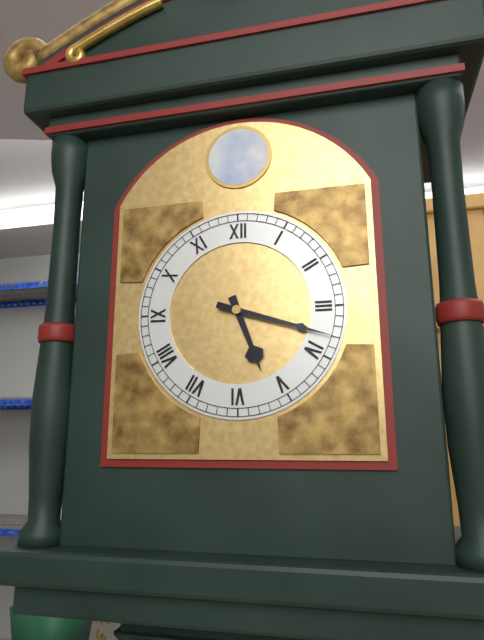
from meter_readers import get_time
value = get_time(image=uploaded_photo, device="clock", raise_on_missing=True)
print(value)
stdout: 5:18
